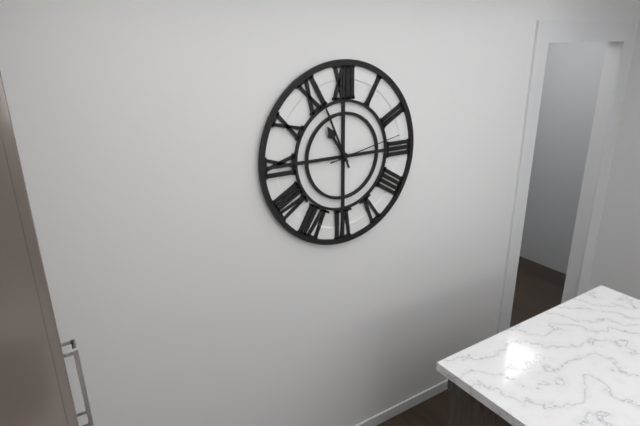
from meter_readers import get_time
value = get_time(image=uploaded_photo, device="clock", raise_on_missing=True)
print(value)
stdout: 10:56:13
